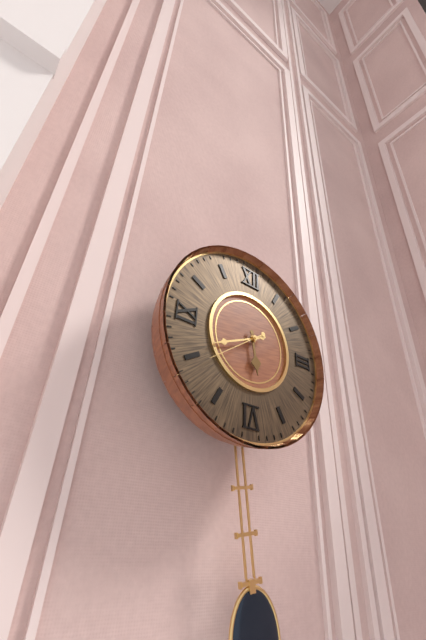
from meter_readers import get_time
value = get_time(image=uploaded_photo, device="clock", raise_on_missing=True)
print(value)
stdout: 5:41:39
